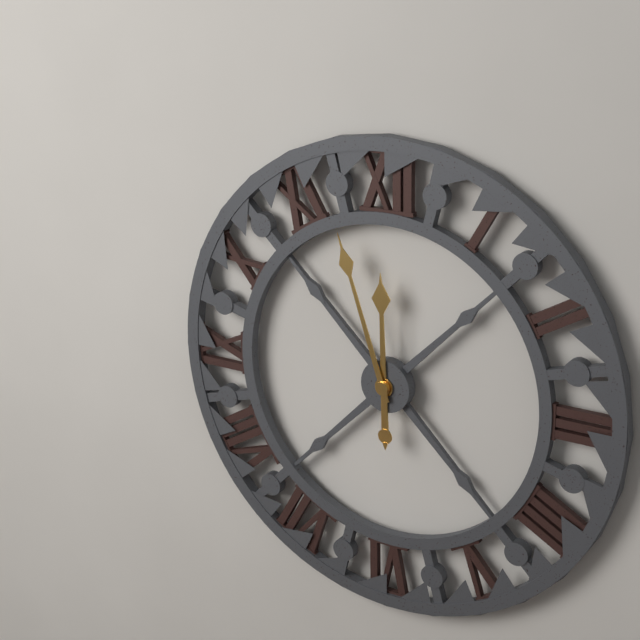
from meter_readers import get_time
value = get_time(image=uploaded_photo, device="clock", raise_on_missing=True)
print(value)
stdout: 11:57
